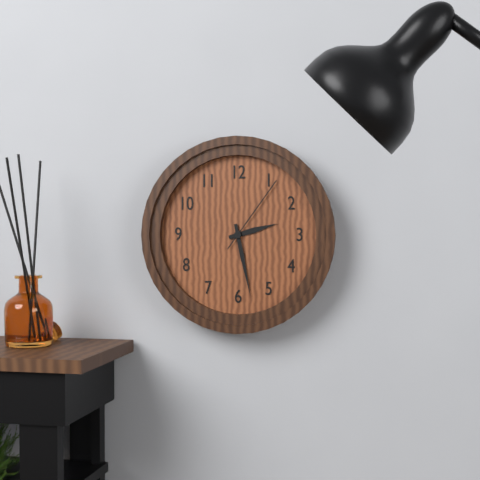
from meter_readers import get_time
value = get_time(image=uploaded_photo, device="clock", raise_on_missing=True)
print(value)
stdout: 2:28:06
